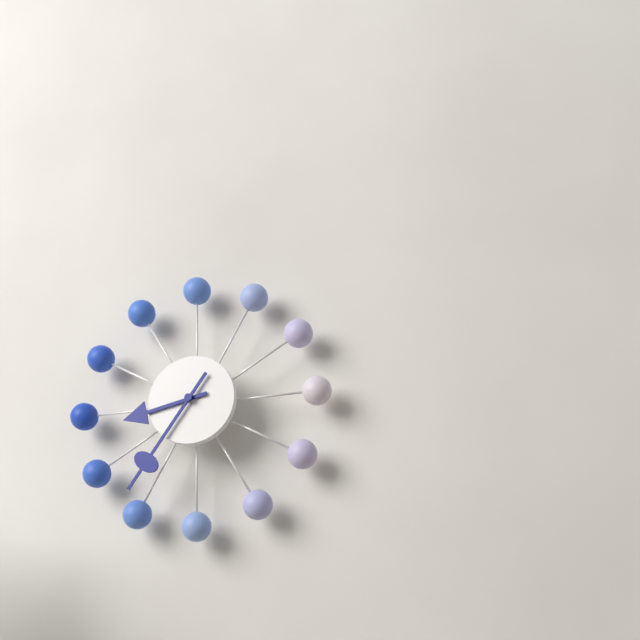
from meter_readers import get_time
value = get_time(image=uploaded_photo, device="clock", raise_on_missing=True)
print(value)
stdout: 8:36
